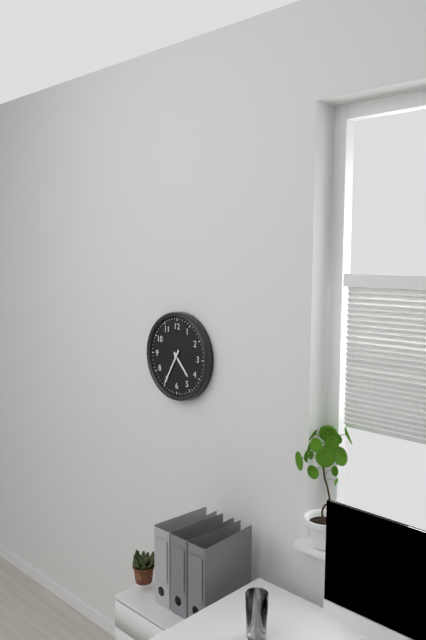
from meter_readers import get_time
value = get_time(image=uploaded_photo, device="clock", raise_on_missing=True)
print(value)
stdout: 4:35
